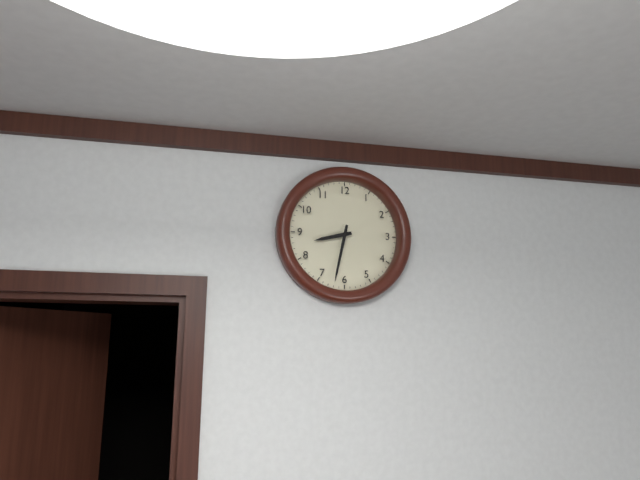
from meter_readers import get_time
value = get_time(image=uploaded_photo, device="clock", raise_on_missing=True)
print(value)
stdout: 8:32
